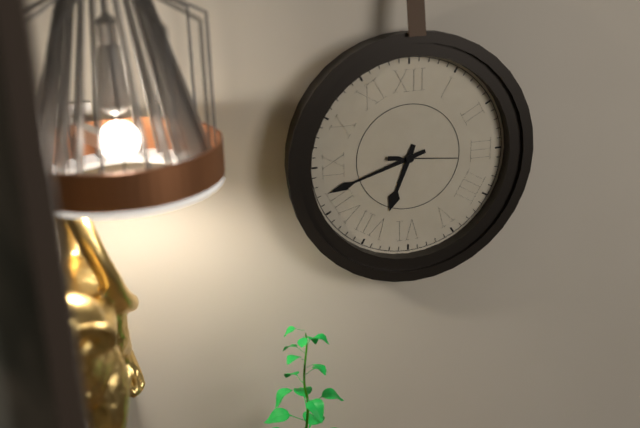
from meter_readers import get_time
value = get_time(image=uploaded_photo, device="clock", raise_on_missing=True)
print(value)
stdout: 6:42:16
